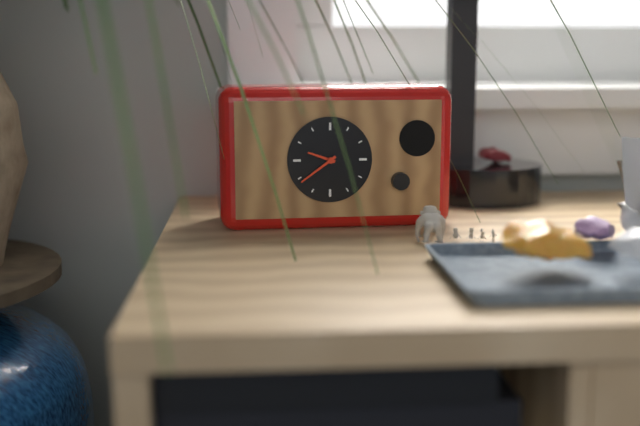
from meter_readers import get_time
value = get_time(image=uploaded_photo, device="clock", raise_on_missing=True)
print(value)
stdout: 9:39
